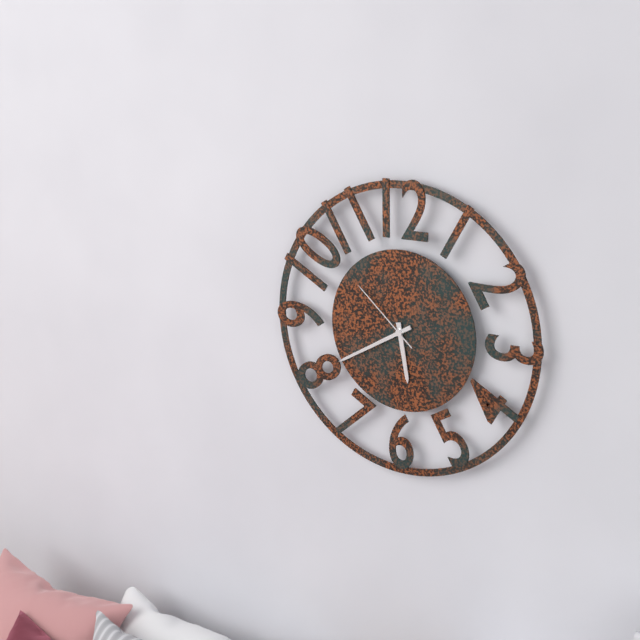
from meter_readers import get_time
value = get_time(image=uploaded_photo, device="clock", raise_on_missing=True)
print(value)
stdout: 5:40:52
